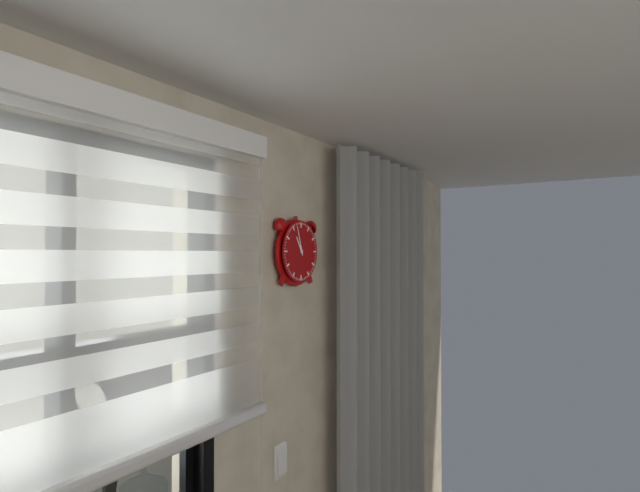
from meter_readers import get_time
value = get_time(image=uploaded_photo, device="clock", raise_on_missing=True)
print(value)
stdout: 10:57
